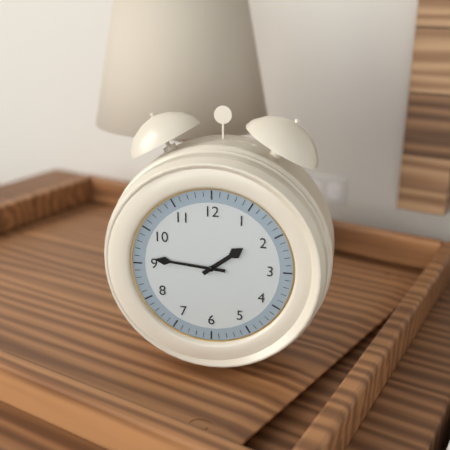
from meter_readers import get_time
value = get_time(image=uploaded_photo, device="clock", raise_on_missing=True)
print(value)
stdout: 1:46
